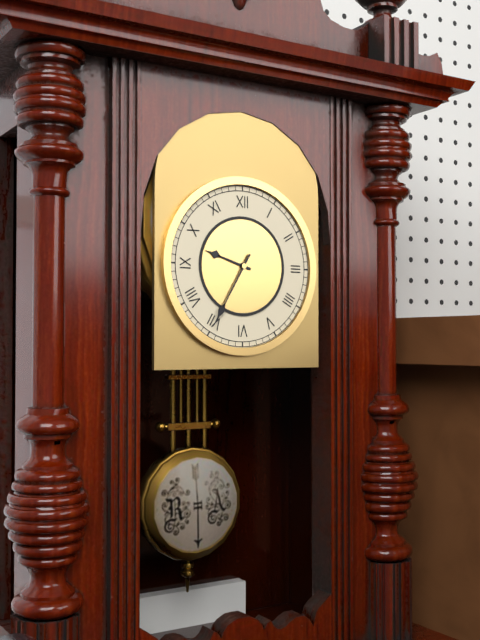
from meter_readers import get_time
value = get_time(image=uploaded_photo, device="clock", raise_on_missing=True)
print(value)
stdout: 9:35
